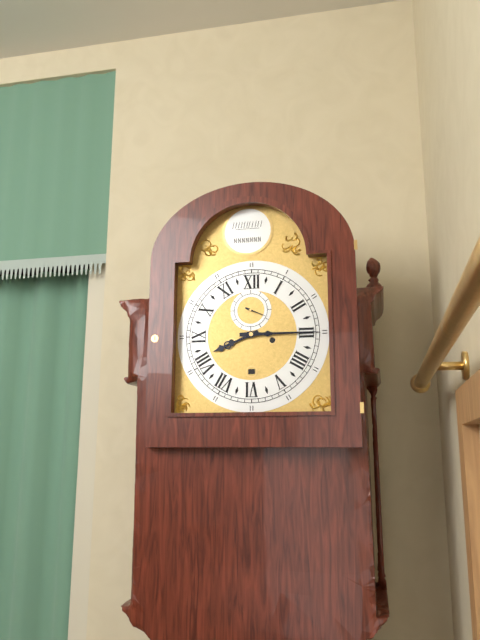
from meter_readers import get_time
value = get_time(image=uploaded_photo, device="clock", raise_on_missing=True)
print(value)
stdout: 8:15
